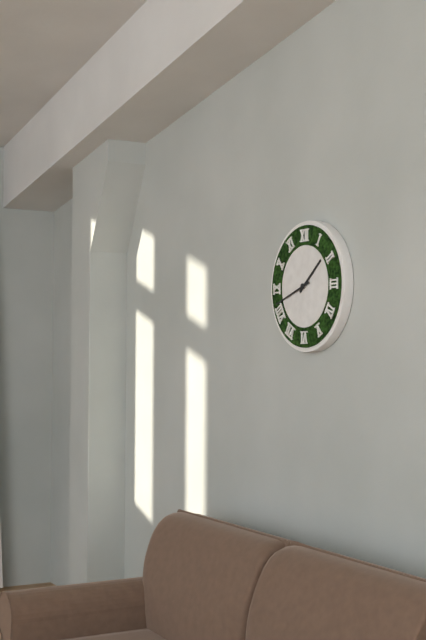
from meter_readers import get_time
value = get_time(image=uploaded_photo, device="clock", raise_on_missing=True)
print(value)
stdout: 1:42
